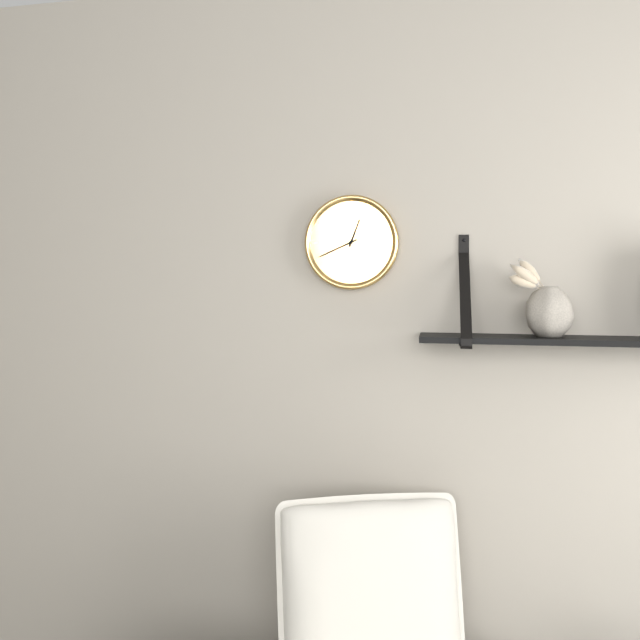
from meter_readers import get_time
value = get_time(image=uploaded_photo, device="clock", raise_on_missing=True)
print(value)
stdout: 12:41
